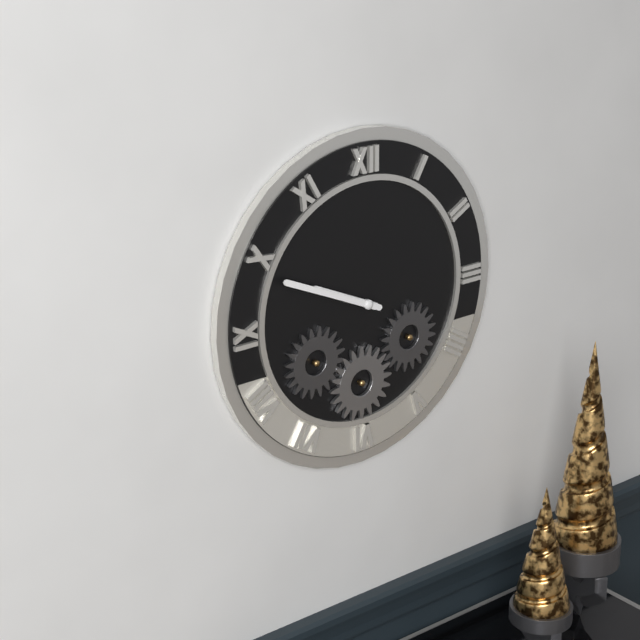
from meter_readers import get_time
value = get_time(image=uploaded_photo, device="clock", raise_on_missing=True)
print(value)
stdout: 9:49
